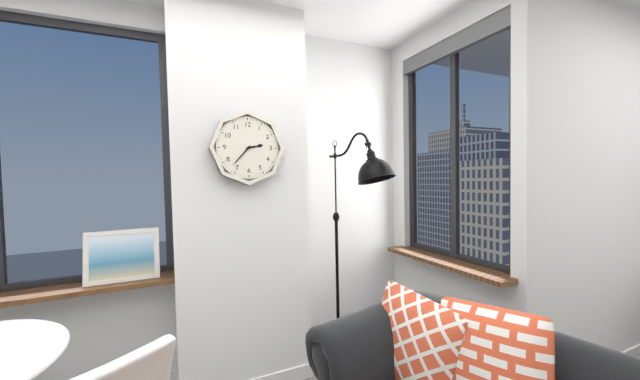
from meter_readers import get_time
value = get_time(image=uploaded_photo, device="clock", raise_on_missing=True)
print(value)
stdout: 2:37
